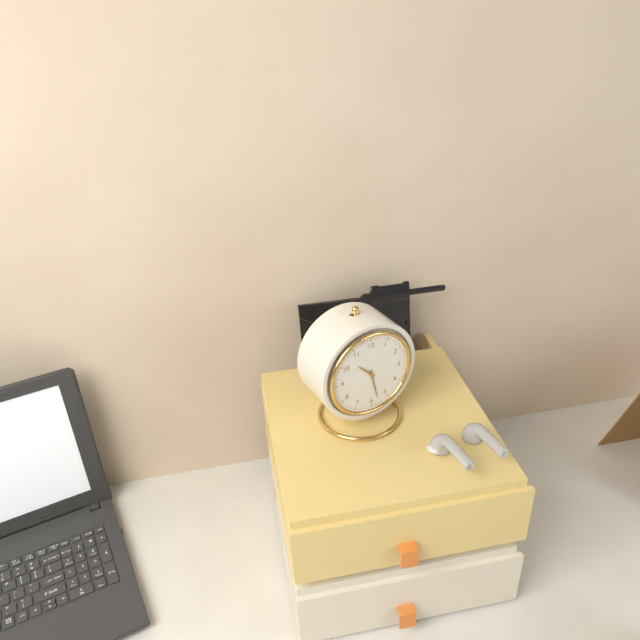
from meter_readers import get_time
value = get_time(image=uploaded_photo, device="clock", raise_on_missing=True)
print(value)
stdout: 10:28
